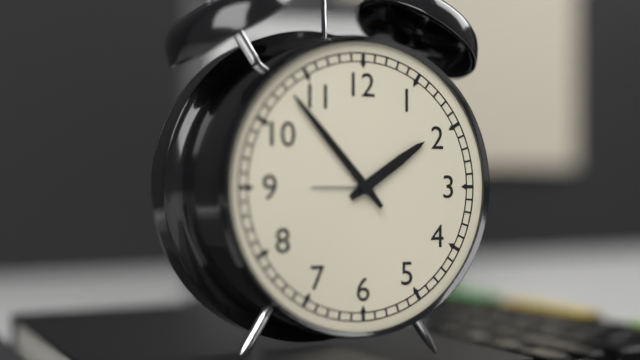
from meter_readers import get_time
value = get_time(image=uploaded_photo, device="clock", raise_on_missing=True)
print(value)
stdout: 1:53
